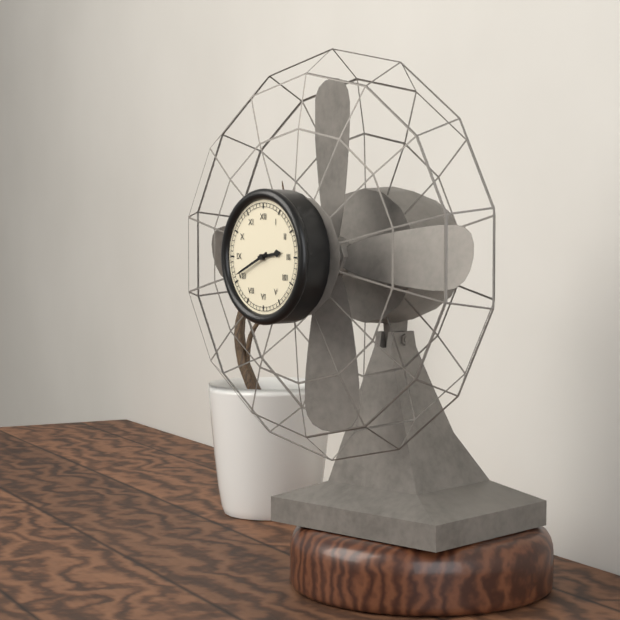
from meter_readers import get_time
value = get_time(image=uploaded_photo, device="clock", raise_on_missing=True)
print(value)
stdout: 2:41
